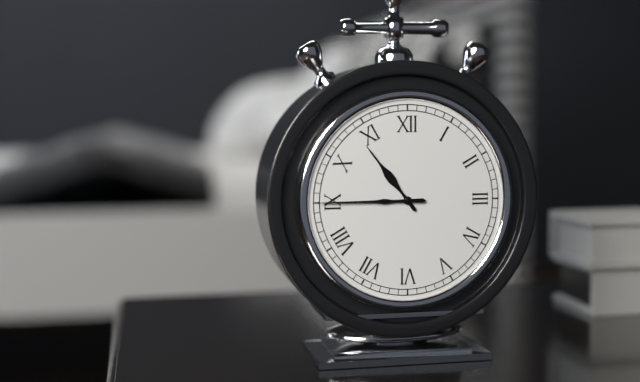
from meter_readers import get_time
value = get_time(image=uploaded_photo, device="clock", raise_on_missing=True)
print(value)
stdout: 10:45
